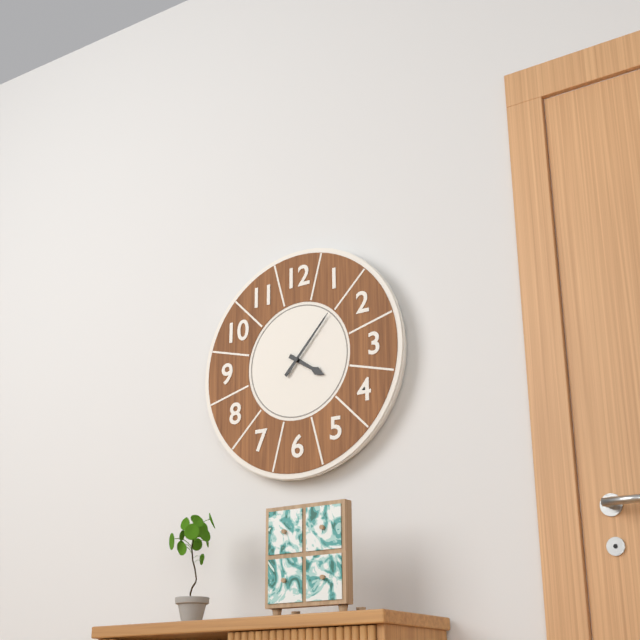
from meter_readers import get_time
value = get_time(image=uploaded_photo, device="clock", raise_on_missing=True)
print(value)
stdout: 4:07
